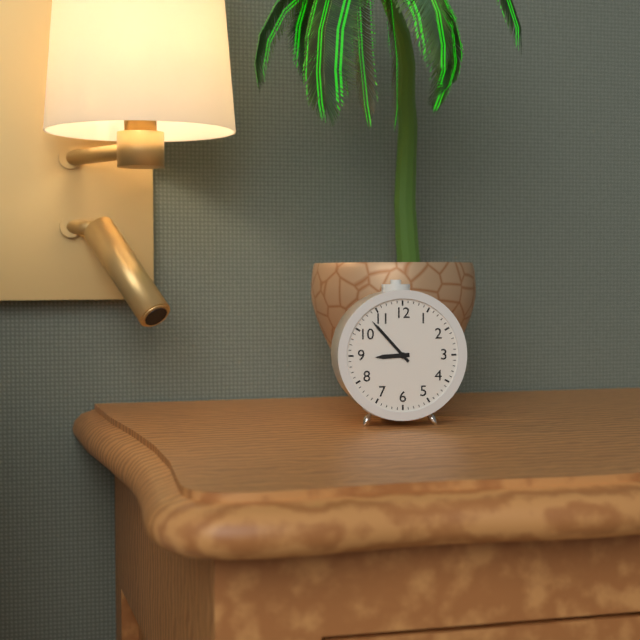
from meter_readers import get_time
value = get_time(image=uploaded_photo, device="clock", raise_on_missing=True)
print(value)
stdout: 8:53
